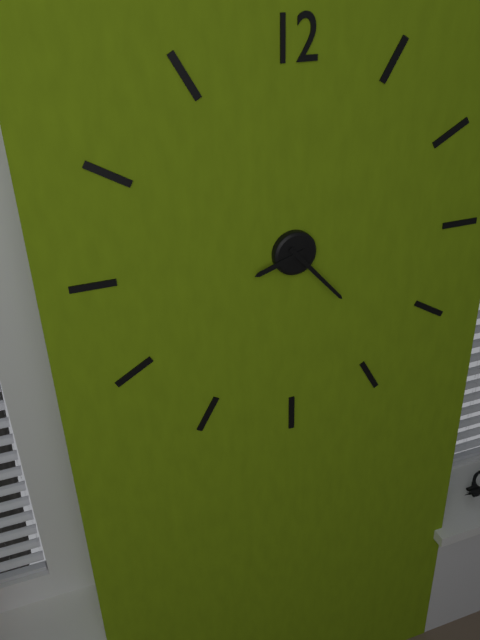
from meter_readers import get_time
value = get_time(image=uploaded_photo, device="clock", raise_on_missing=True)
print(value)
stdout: 8:23
